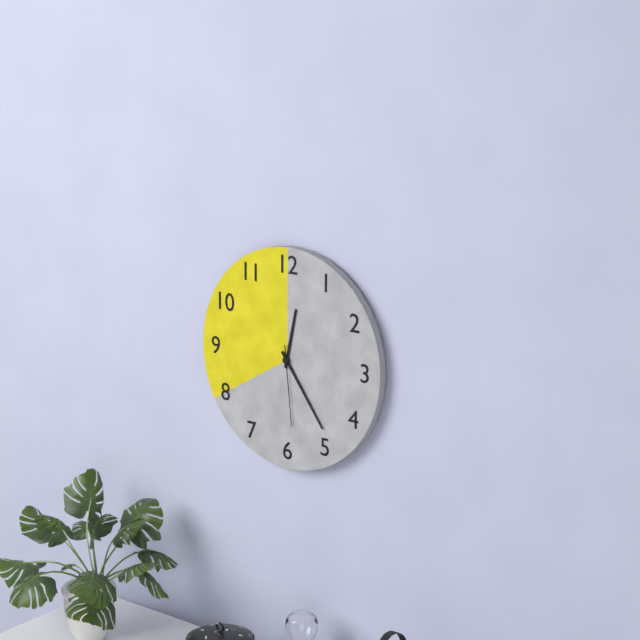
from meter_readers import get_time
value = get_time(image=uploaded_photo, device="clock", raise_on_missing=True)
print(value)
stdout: 12:24:29
